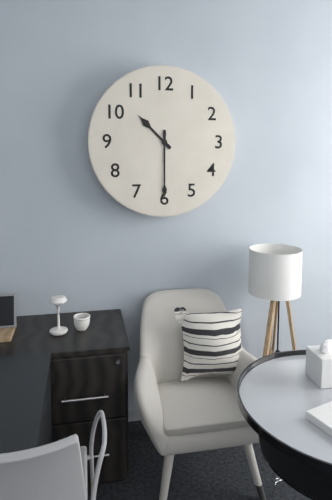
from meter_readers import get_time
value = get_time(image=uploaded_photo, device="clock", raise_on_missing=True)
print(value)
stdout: 10:30
